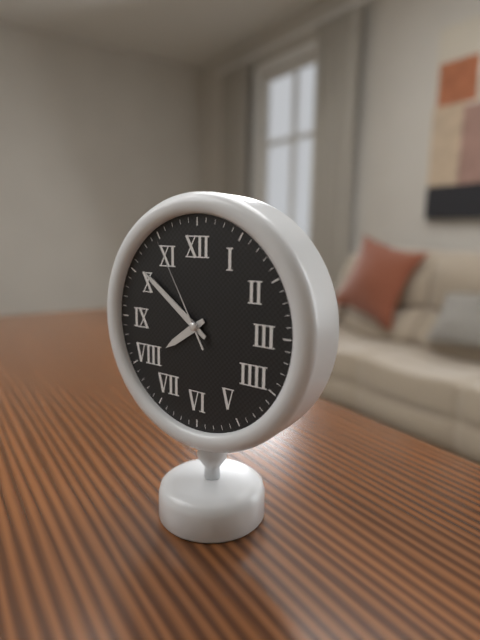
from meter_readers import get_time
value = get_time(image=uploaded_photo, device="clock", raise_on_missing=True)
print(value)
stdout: 7:51:55
